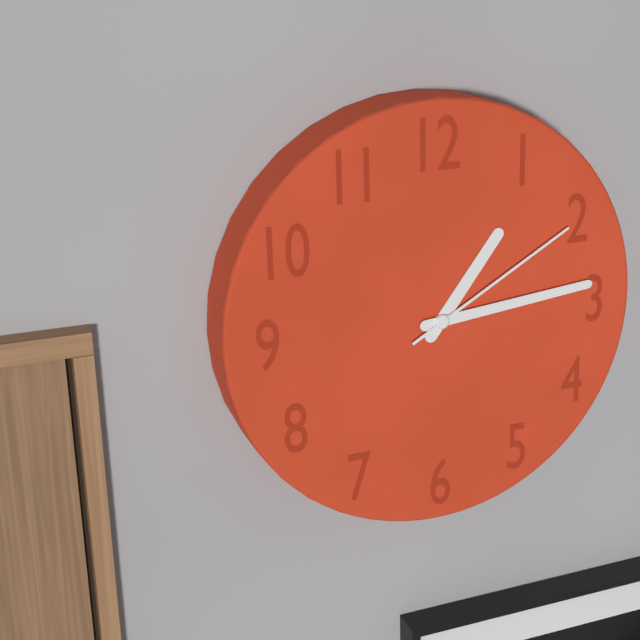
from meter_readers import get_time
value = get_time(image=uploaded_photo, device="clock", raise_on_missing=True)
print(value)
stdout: 1:14:10
